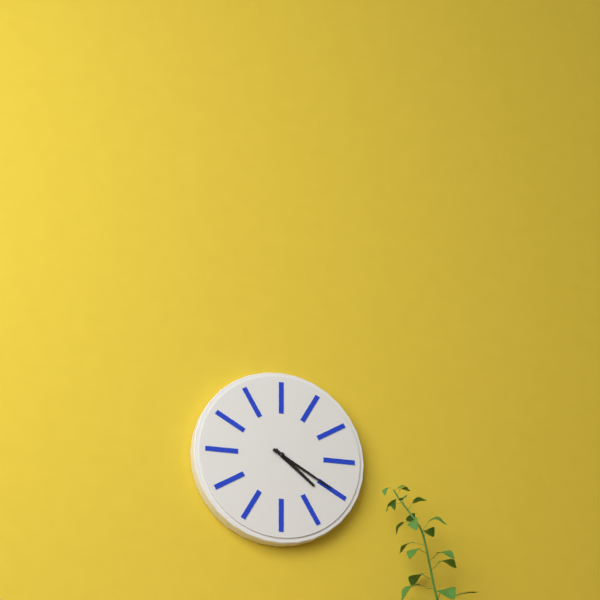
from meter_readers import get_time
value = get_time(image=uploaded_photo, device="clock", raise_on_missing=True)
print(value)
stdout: 4:20
